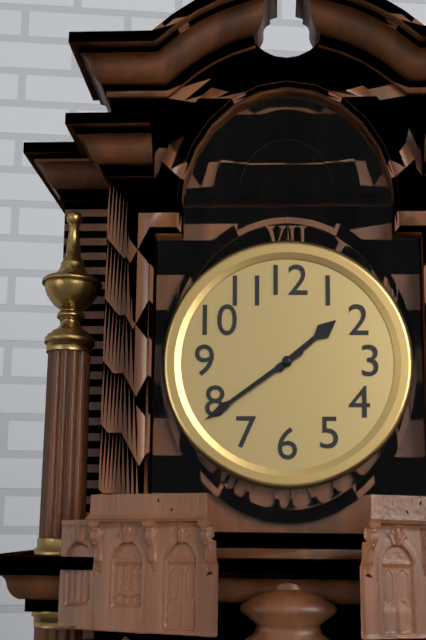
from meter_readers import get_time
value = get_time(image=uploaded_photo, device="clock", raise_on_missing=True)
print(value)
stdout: 1:39
